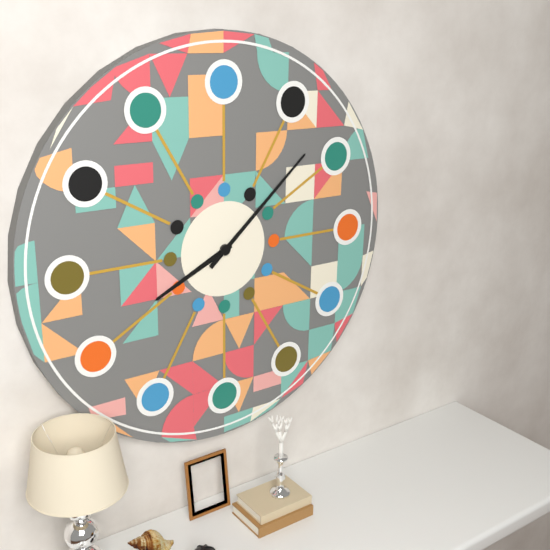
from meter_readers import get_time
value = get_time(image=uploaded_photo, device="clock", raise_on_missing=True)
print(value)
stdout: 8:08
